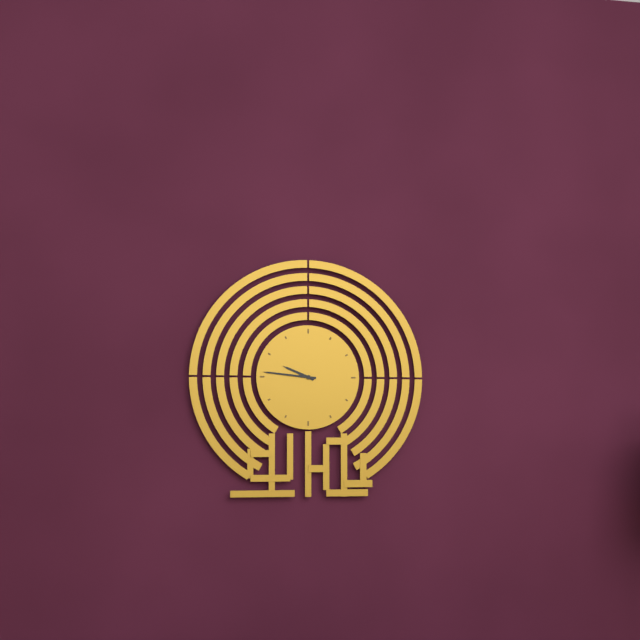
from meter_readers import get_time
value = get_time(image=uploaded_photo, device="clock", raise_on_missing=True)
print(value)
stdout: 9:46
